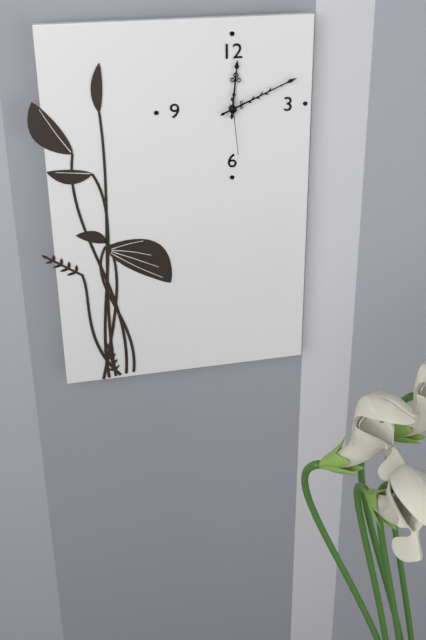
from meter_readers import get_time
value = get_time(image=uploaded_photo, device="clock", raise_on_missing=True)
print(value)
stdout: 12:11:29
